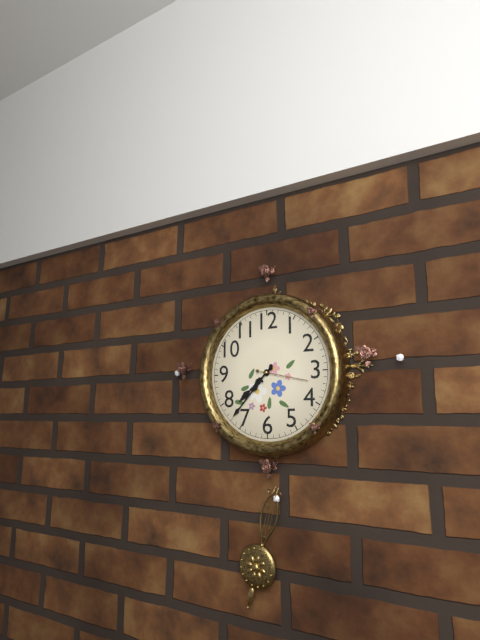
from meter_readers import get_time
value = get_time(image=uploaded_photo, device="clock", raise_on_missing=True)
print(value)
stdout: 7:37:17
